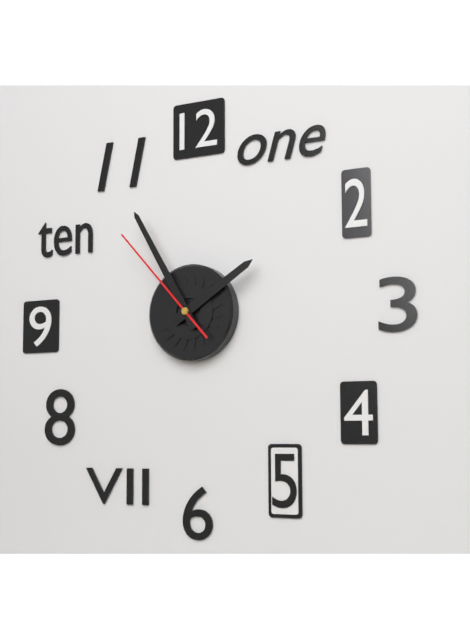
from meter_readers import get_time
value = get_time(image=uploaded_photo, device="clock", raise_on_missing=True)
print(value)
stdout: 1:55:53
